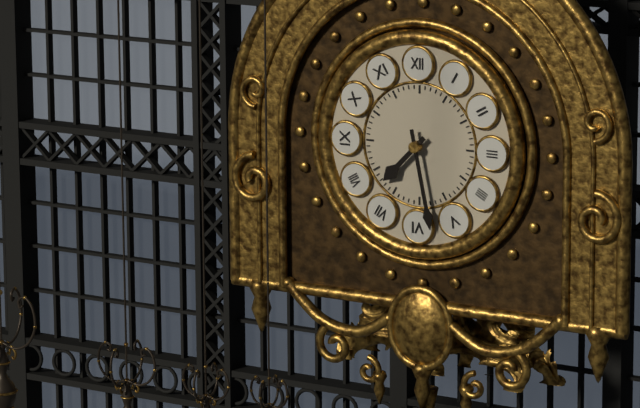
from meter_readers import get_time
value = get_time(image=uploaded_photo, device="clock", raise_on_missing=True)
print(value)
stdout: 7:28
